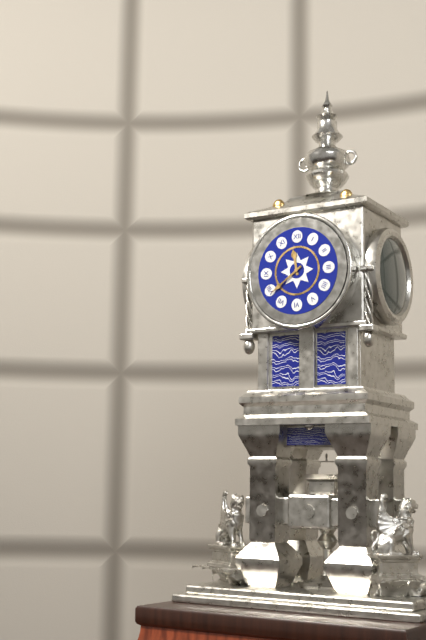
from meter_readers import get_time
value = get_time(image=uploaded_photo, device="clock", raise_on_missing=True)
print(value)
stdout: 11:39
